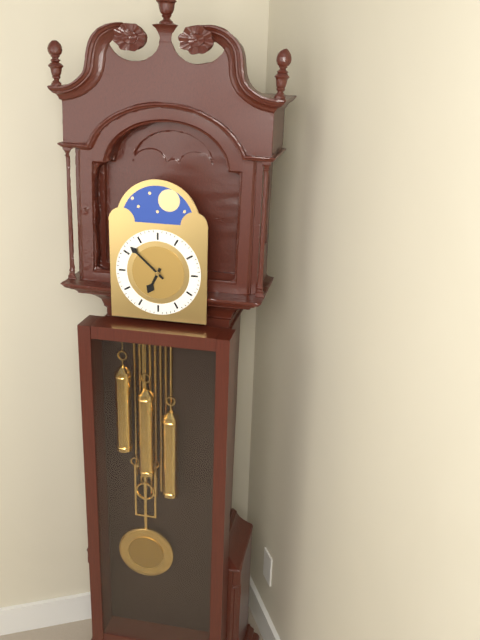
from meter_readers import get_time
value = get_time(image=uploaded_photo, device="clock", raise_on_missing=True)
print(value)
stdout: 6:52
